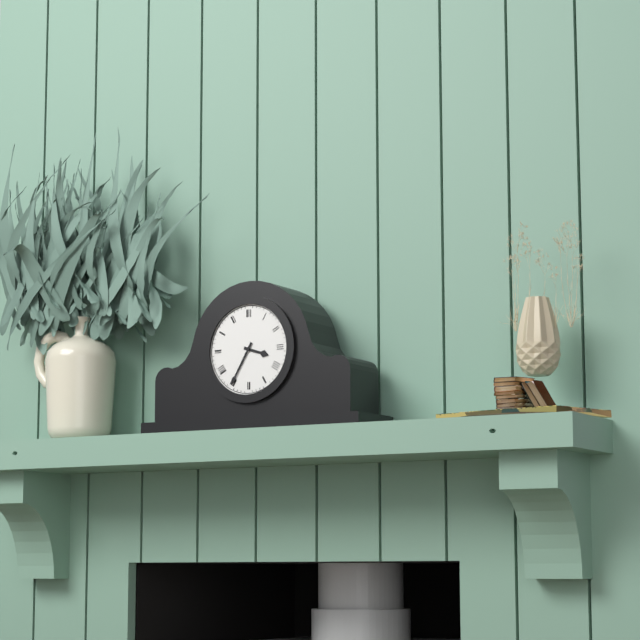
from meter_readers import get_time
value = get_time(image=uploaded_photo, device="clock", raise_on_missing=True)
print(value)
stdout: 3:35
